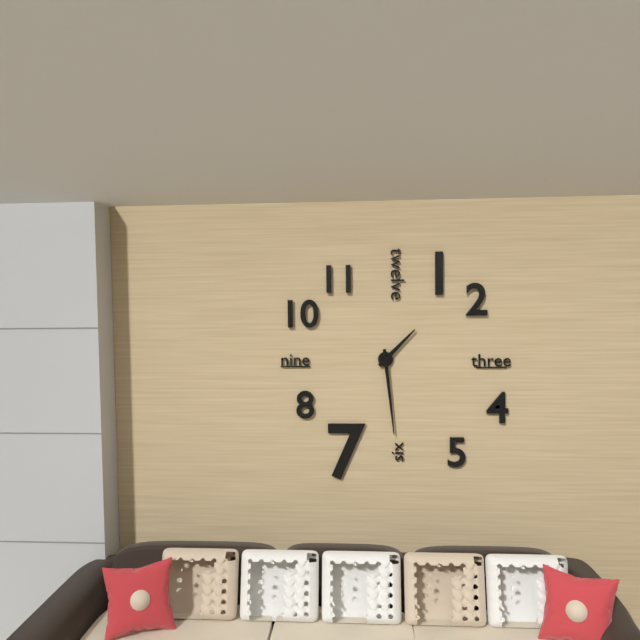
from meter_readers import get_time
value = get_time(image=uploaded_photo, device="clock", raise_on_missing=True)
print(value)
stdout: 1:29
